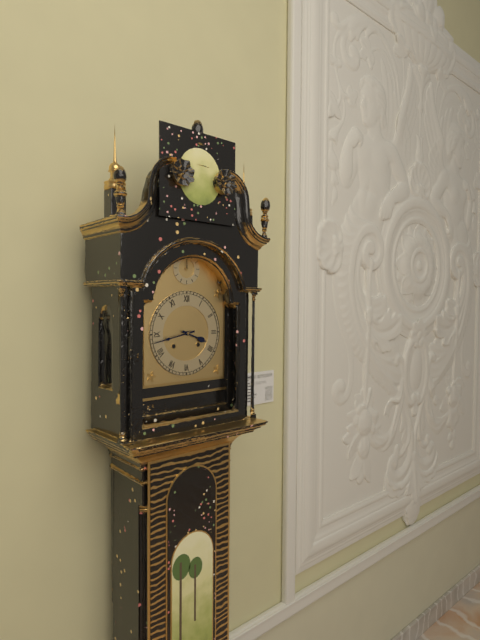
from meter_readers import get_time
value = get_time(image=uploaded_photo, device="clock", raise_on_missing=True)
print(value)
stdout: 3:43
